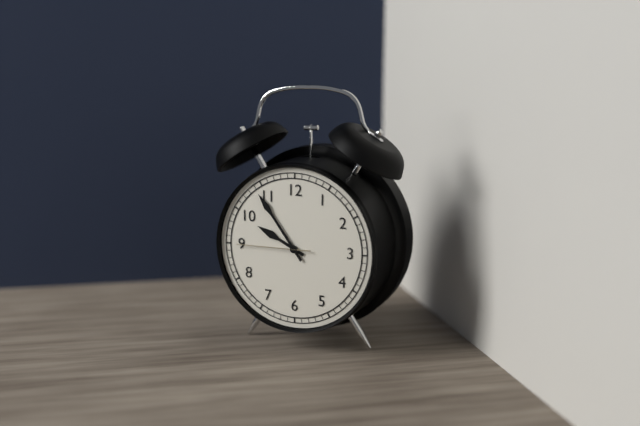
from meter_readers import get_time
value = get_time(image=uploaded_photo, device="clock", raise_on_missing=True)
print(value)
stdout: 9:54:45
